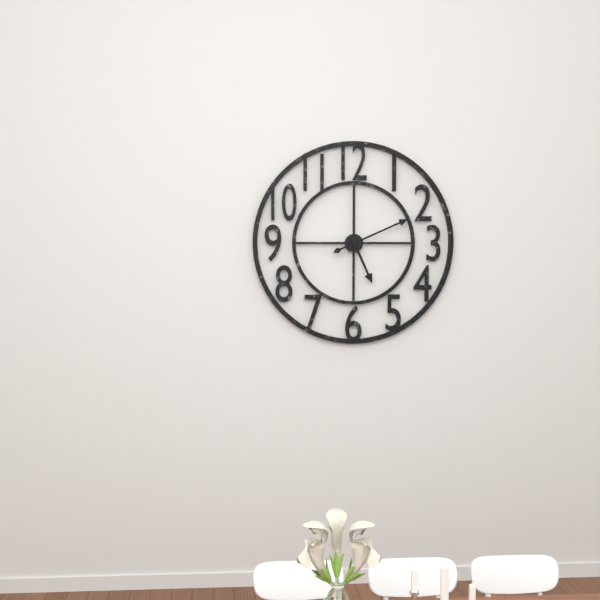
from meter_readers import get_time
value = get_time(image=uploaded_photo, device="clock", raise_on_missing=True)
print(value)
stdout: 5:11
